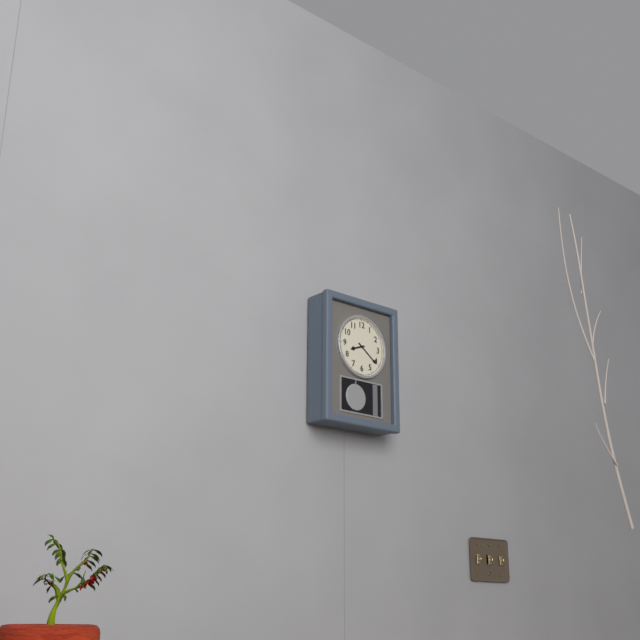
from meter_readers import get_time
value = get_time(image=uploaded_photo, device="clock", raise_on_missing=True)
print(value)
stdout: 8:21
